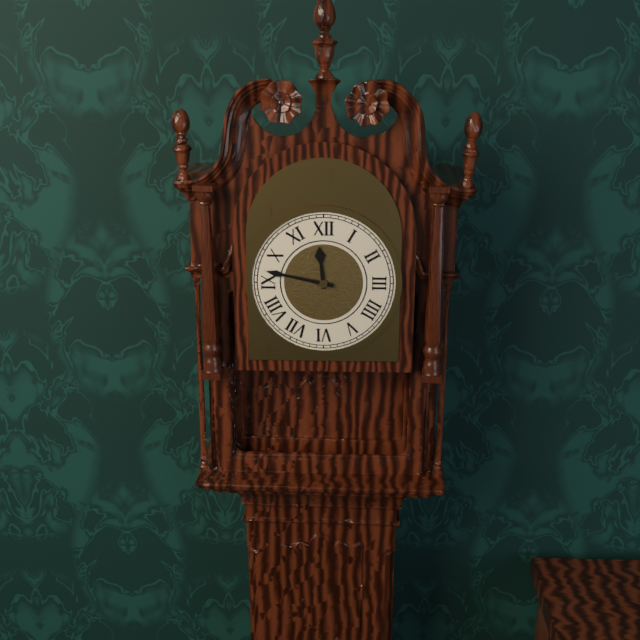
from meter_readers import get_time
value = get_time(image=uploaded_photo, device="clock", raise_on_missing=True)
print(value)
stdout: 11:47
